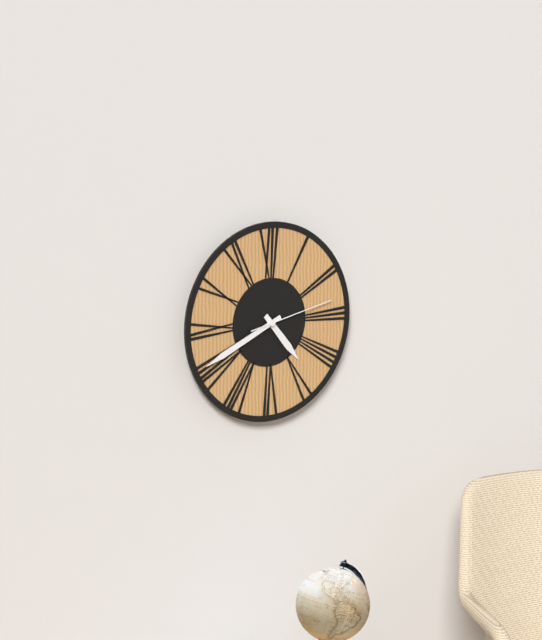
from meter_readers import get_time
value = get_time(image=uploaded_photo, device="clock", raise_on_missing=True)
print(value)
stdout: 4:41:13
